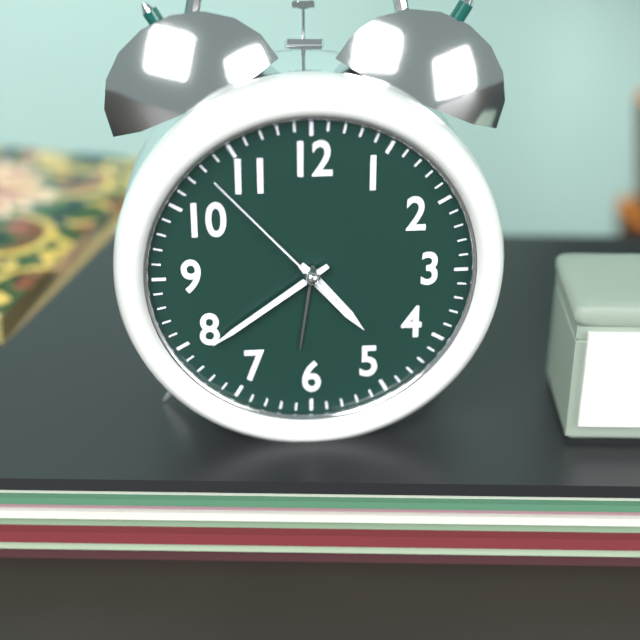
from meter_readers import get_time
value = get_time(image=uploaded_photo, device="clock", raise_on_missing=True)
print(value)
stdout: 4:39:53
